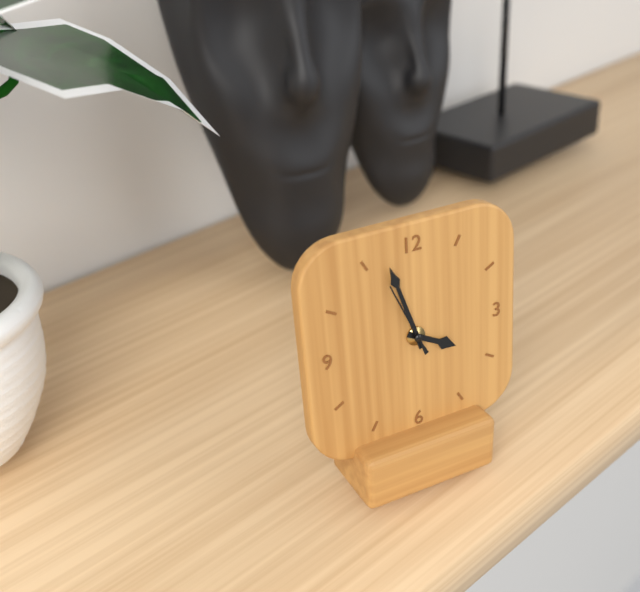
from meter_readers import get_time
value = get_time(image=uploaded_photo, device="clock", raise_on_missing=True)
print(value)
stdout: 3:57:56
